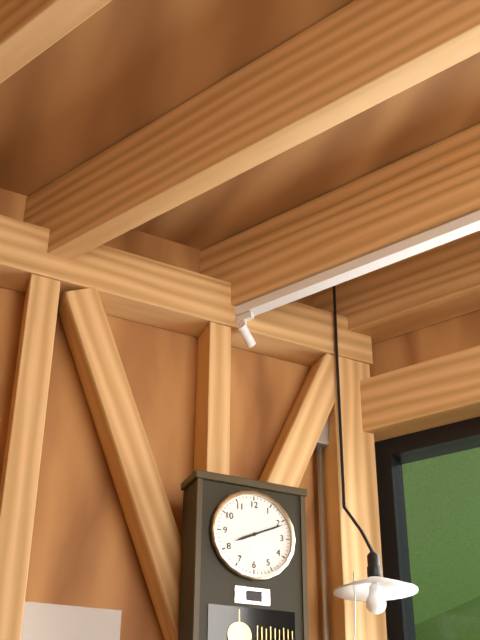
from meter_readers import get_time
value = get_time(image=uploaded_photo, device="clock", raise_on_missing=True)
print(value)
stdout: 8:11
